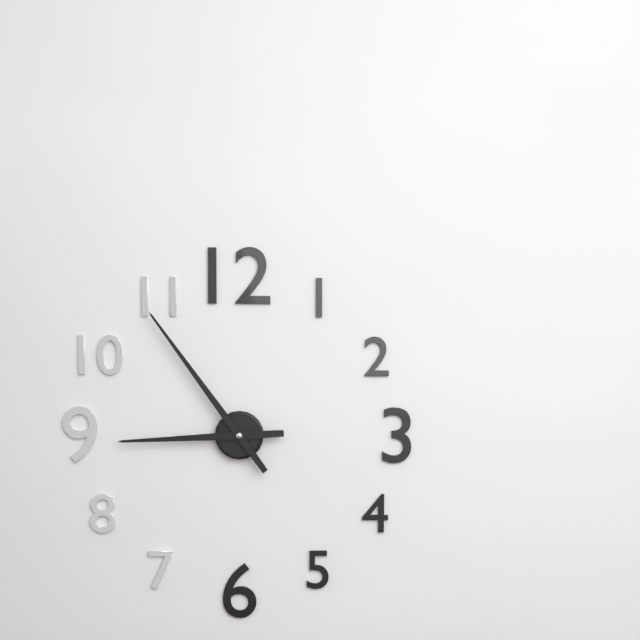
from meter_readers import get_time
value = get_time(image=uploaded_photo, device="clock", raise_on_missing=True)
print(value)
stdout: 8:54
